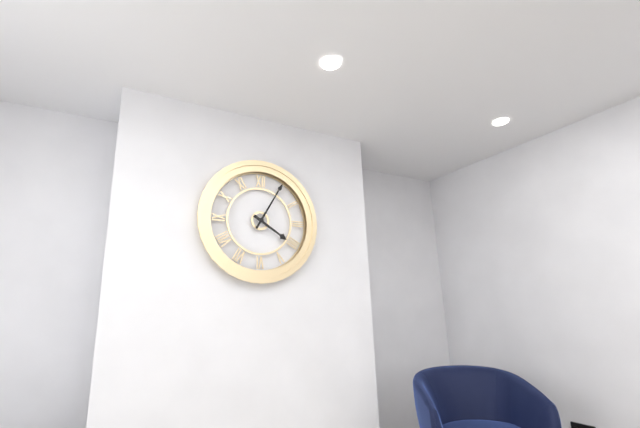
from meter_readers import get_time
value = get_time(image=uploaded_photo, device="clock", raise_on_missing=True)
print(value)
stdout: 4:05
